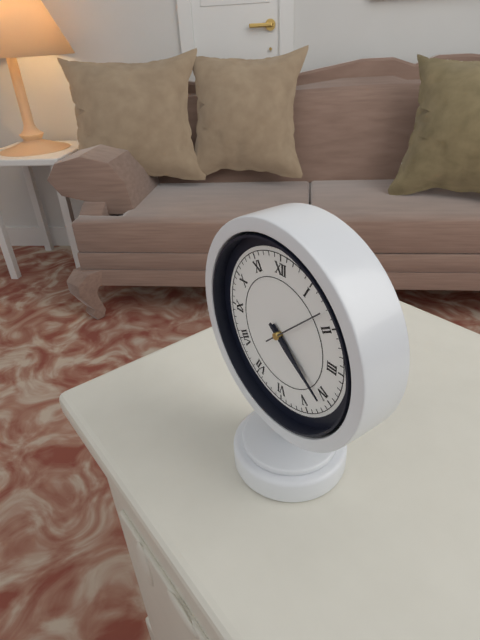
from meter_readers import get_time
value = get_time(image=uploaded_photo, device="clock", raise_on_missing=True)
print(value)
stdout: 4:21:08
